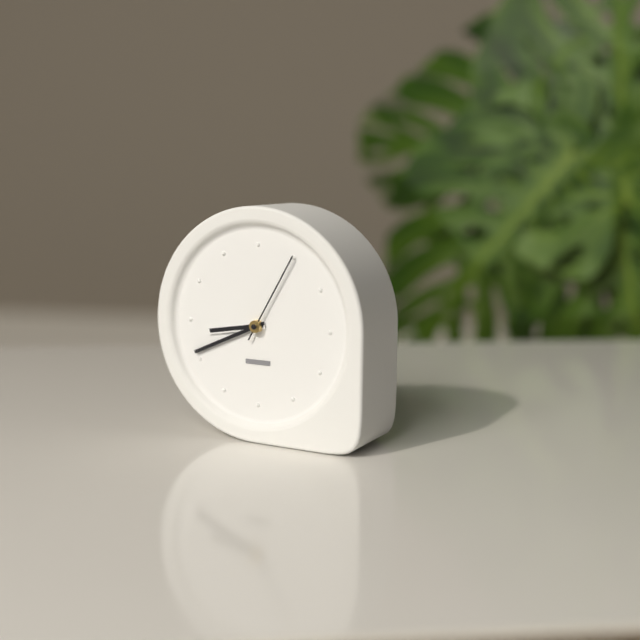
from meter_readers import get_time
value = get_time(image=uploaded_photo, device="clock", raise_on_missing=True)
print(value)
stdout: 8:41:05
